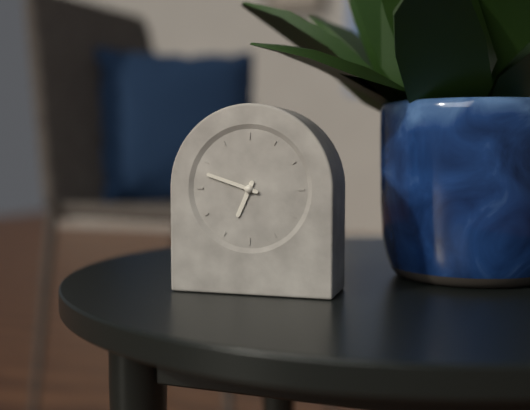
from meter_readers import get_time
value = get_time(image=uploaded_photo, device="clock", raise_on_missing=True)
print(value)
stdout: 6:48
